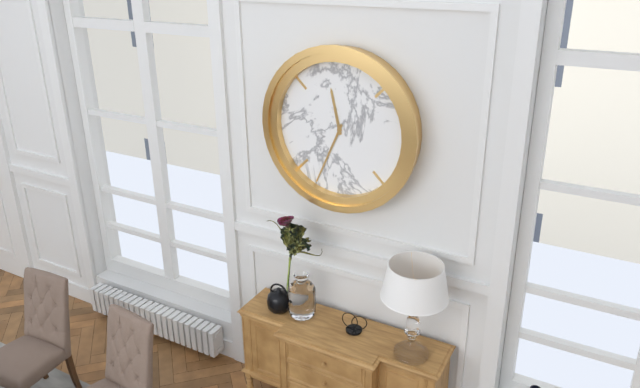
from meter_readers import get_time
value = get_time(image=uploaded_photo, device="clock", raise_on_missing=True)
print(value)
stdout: 11:34
